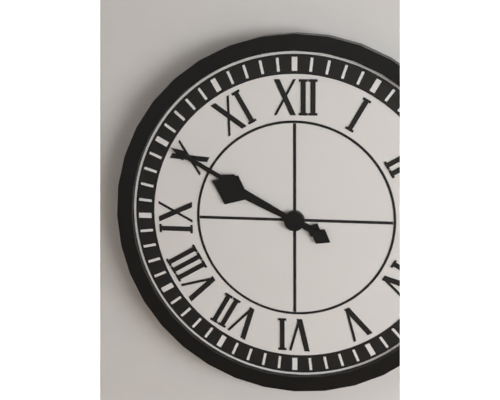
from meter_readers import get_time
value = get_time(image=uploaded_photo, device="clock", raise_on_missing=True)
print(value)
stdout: 9:50
